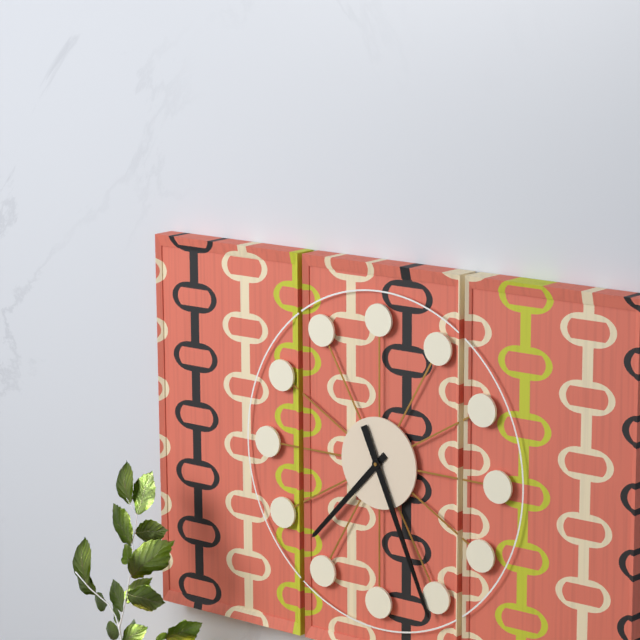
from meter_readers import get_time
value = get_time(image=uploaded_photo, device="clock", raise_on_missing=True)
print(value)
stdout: 7:26
